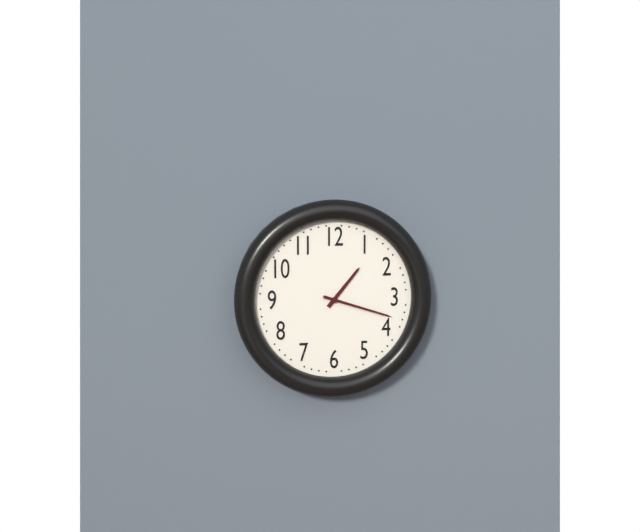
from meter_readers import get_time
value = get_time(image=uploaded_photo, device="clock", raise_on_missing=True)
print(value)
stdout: 1:18
